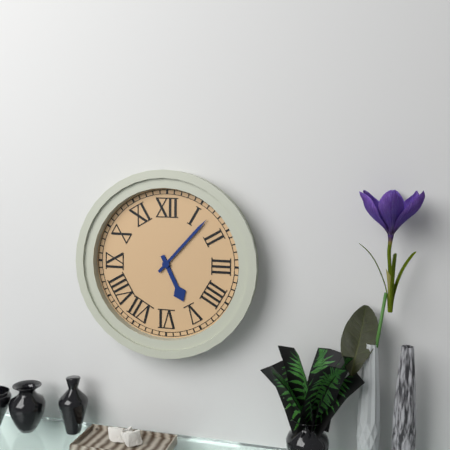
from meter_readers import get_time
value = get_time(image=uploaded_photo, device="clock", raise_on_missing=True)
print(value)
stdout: 5:07
